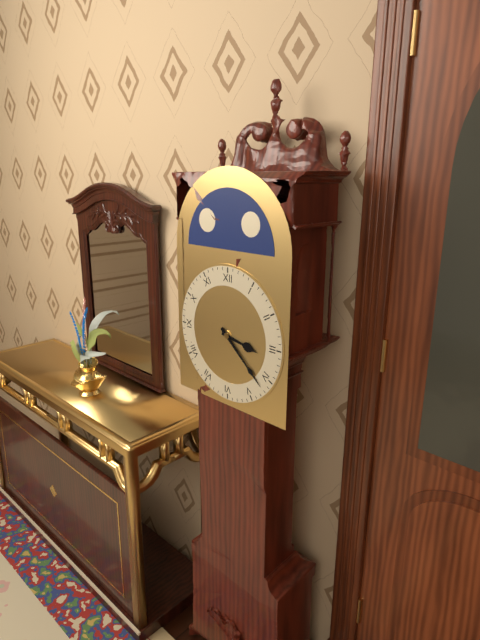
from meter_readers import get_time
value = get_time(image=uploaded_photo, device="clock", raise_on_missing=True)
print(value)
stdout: 3:22
